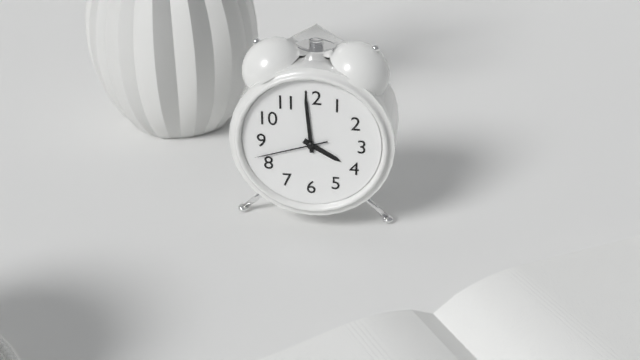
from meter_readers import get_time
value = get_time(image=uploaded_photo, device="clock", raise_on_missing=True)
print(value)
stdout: 3:59:42
